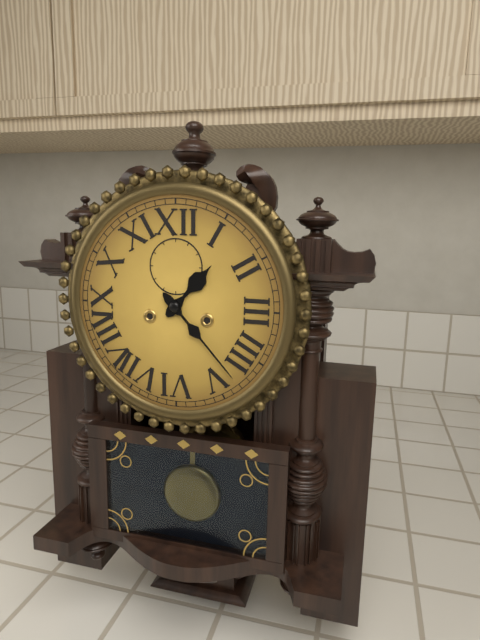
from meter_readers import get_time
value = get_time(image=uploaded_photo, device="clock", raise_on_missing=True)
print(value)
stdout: 1:23
